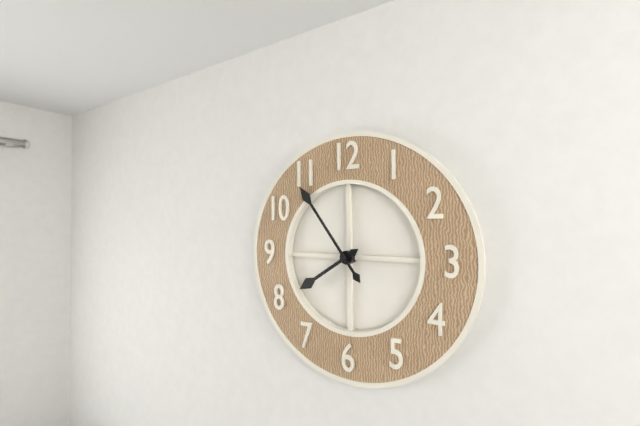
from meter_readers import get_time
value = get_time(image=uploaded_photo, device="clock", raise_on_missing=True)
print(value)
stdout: 7:54
